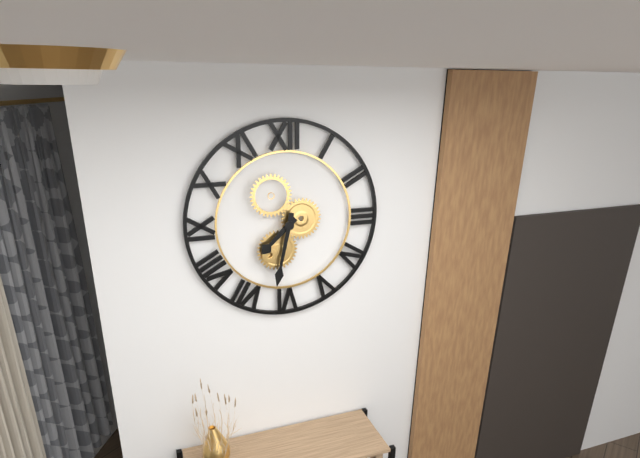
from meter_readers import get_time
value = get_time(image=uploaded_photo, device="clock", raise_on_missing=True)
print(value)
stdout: 7:32
